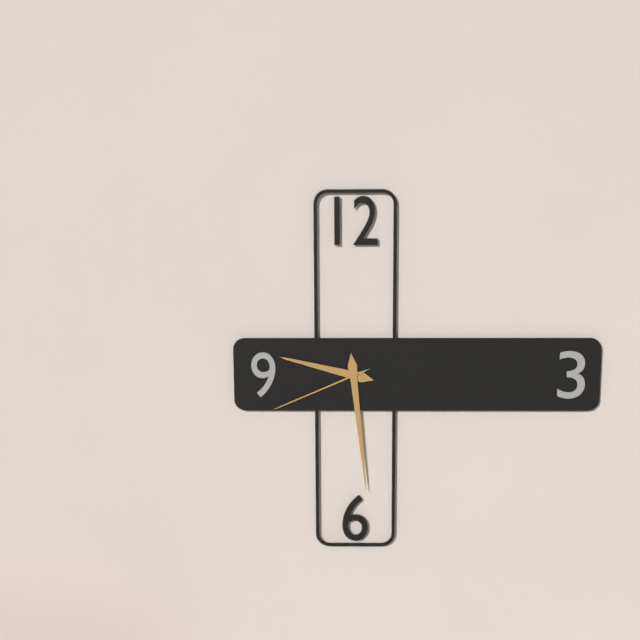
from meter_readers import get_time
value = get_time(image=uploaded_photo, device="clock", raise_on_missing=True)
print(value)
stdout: 9:29:41
